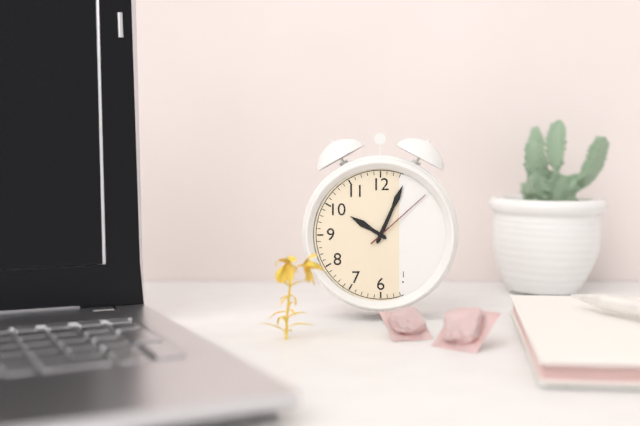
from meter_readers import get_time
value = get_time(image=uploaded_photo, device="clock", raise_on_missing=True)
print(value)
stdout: 10:04:08
